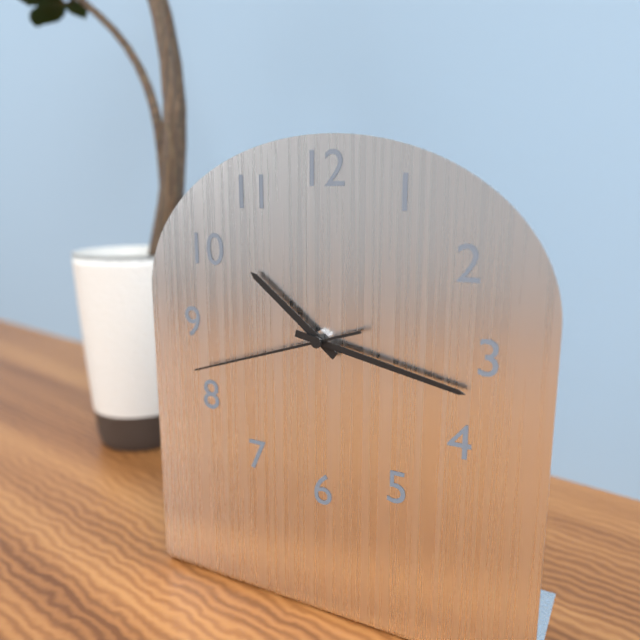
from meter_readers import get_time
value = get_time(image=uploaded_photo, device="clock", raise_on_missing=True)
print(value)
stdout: 10:17:42
